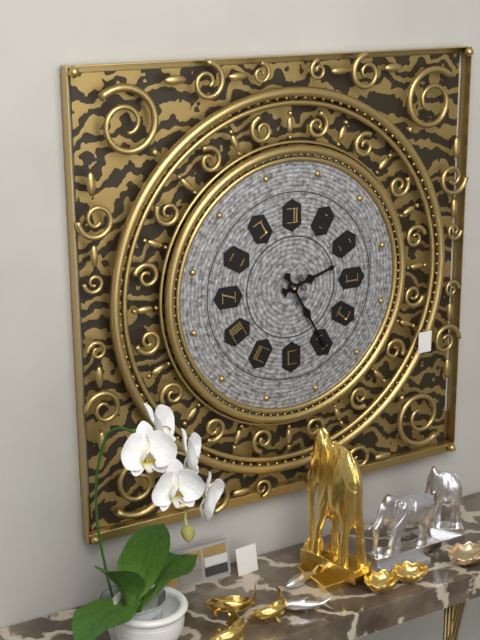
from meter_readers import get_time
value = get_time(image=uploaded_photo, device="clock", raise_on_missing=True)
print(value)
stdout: 2:25
